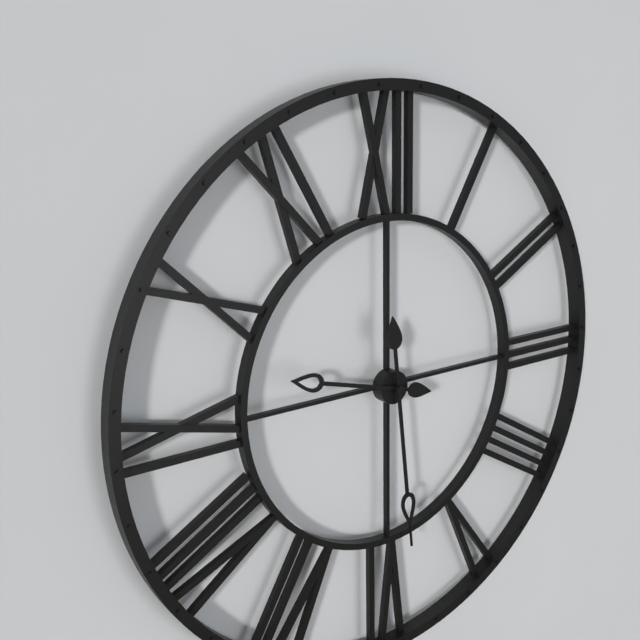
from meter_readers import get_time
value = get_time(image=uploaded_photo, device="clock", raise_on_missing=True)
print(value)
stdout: 9:29
